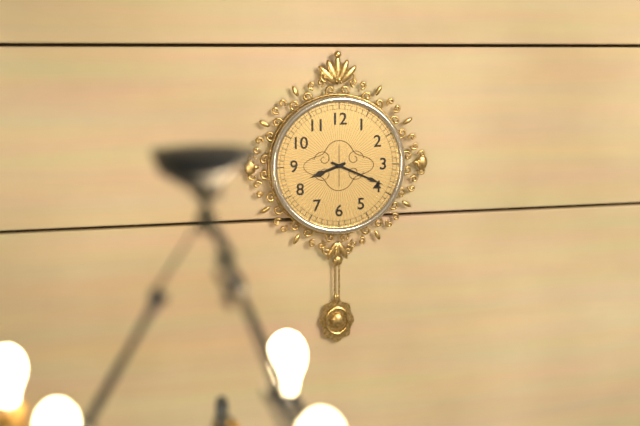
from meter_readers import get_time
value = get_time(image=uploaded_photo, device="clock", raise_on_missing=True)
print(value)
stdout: 8:19
